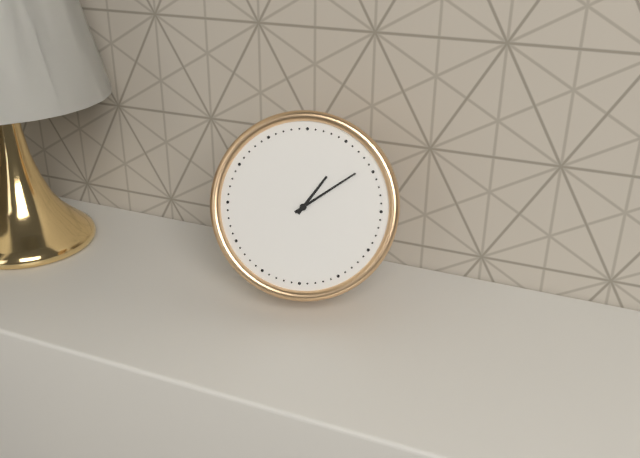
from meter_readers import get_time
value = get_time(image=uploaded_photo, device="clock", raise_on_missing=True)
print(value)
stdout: 1:09
